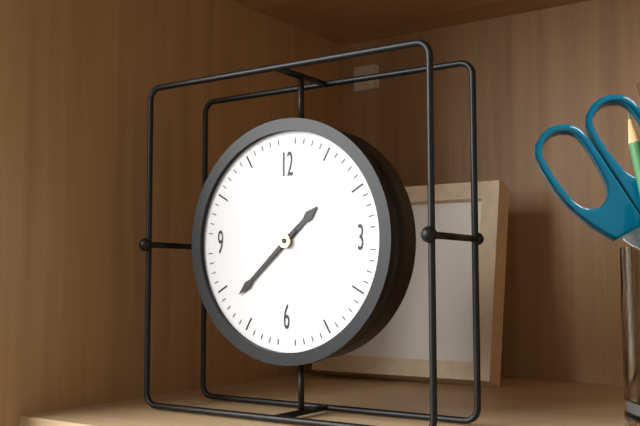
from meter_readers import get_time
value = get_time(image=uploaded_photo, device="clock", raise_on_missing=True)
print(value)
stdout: 1:38
